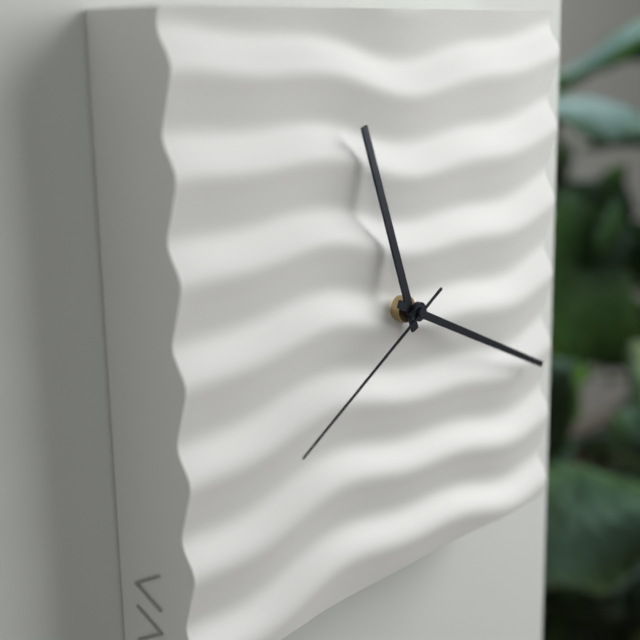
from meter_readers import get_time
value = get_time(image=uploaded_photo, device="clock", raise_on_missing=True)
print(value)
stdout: 11:19:40
